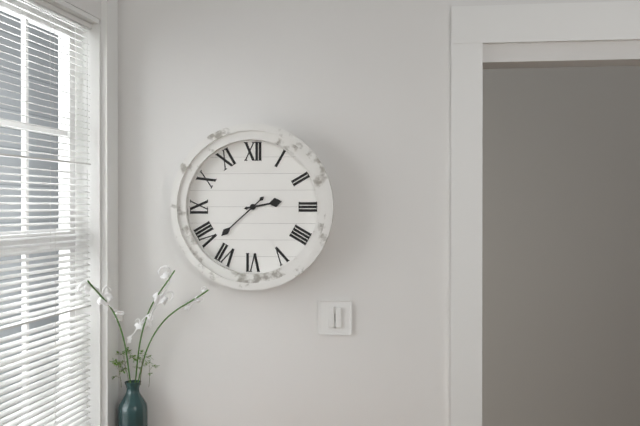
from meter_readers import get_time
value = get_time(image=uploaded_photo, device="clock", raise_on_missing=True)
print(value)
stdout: 2:38
